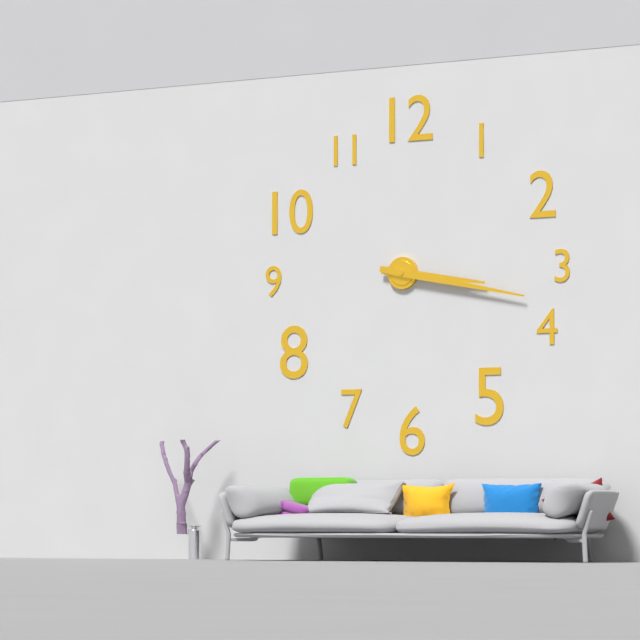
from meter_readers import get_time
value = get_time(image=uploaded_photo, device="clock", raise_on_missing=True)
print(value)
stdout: 3:17
